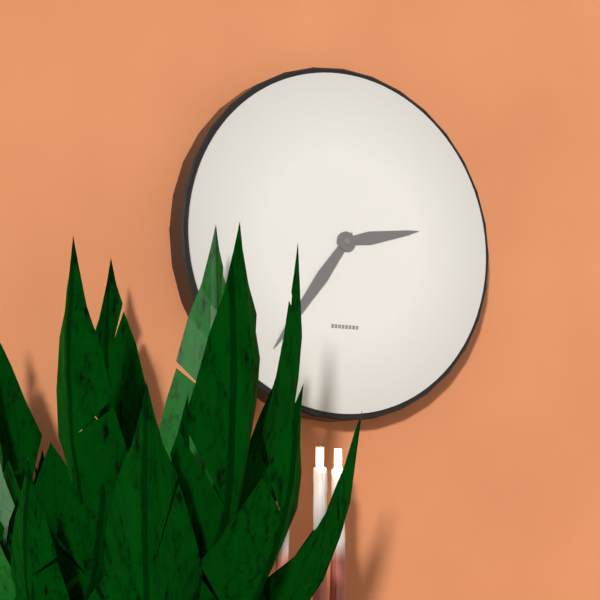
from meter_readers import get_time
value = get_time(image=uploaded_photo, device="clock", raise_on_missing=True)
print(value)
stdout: 2:36
